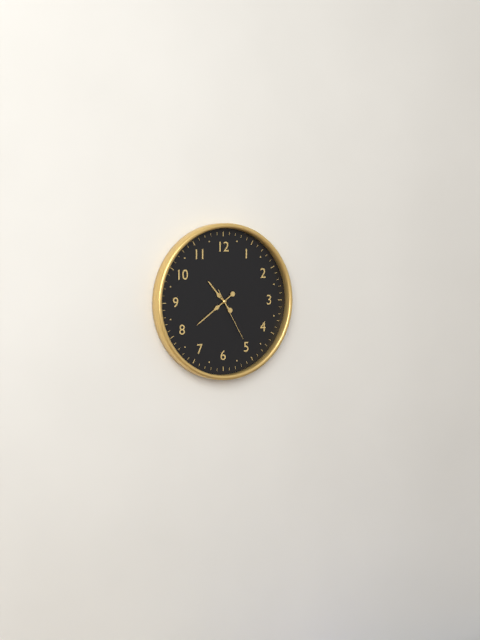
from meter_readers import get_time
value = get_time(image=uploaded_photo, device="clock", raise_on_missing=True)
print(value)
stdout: 10:39:25
